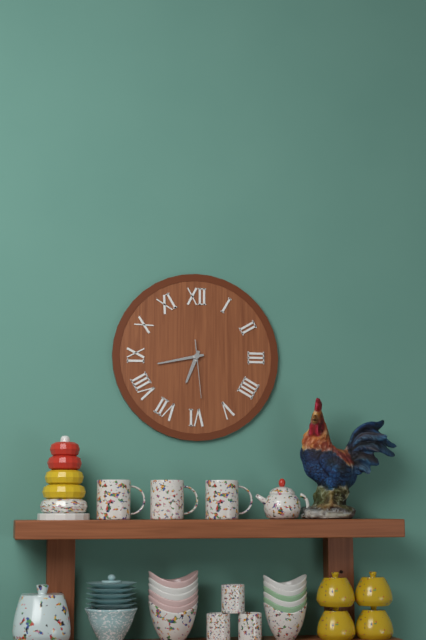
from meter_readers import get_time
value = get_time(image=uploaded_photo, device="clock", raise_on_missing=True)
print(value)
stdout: 6:43:29
